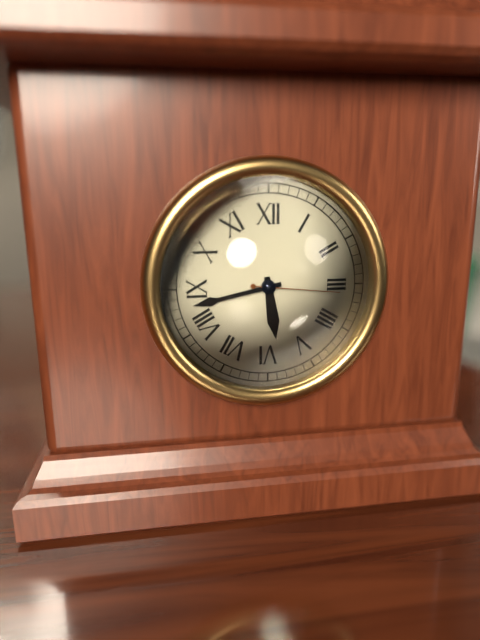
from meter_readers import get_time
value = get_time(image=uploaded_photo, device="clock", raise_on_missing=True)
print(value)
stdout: 5:43:16
